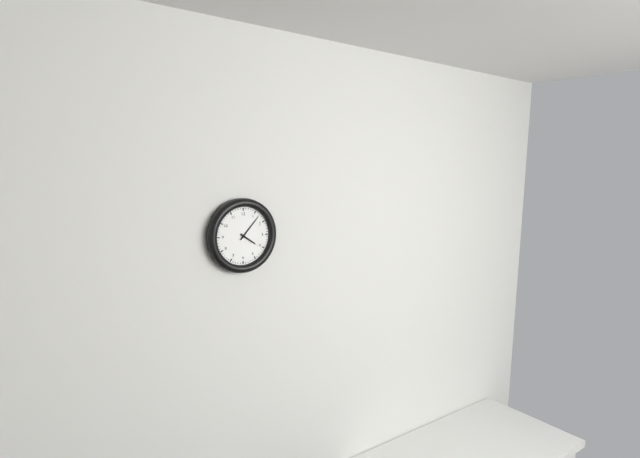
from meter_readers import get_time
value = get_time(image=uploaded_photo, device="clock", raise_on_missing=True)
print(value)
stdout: 4:07
